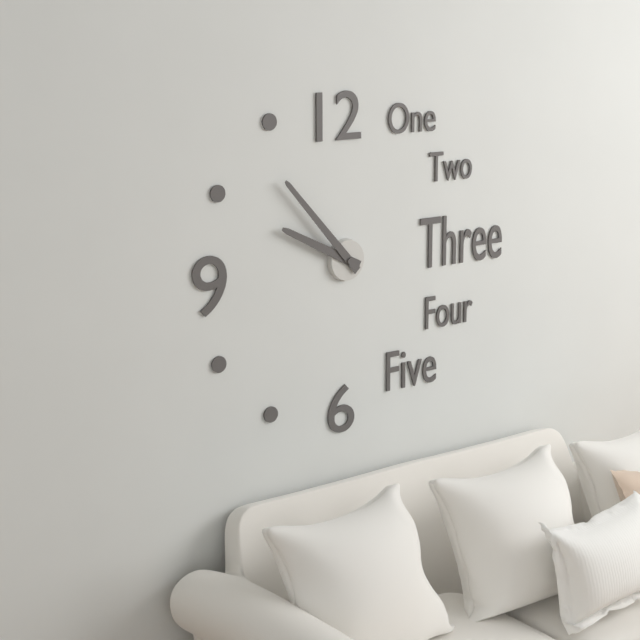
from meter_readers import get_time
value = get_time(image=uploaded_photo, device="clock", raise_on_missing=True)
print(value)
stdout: 9:53
